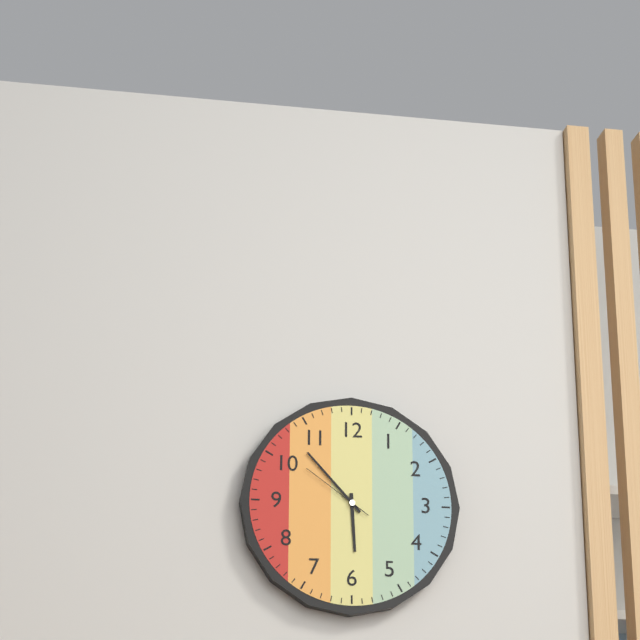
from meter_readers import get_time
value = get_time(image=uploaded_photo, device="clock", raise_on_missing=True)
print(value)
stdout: 5:53:51
